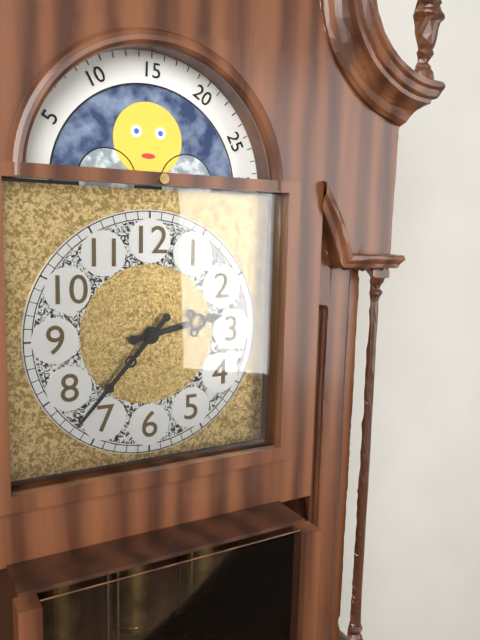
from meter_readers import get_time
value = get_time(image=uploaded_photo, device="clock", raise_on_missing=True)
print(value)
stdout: 2:37
